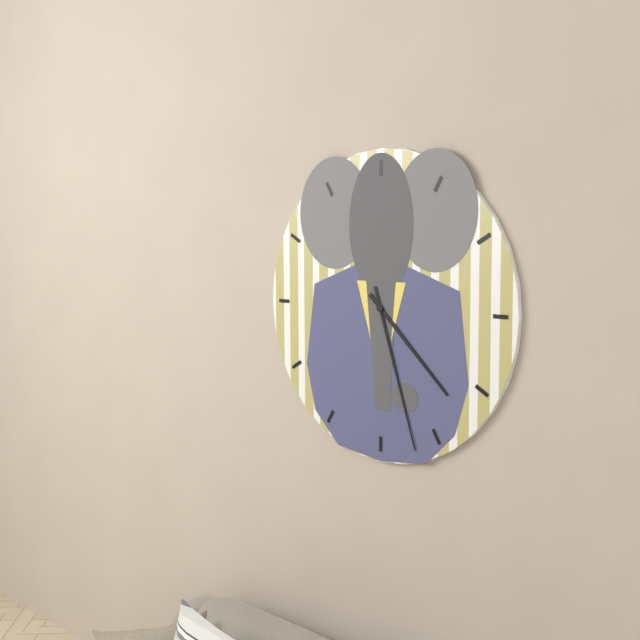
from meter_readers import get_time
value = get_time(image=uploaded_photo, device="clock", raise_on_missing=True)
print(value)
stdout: 4:27
